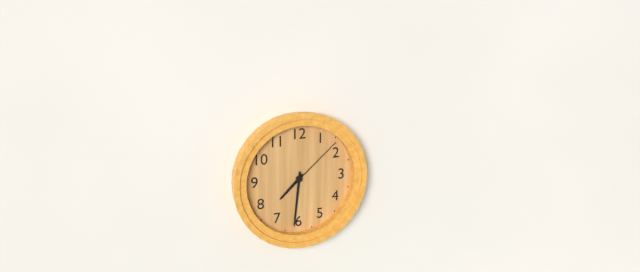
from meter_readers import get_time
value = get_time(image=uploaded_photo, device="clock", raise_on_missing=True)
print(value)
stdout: 7:31:08
